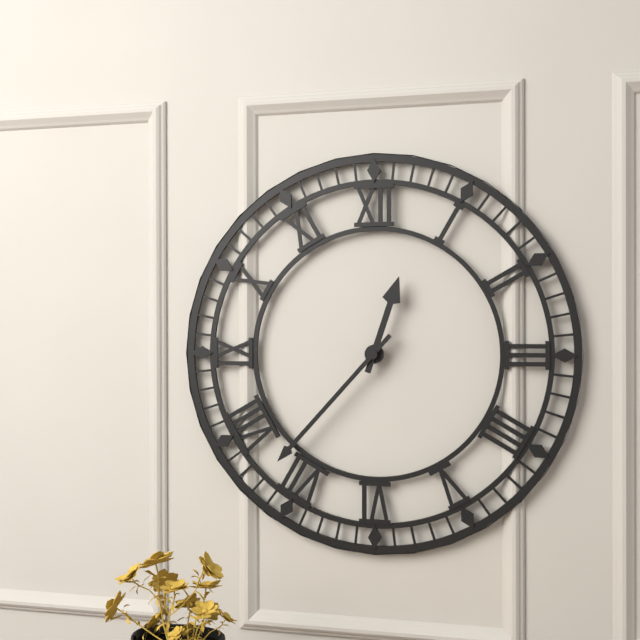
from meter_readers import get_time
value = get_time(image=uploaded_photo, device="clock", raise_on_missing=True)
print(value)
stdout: 12:37
